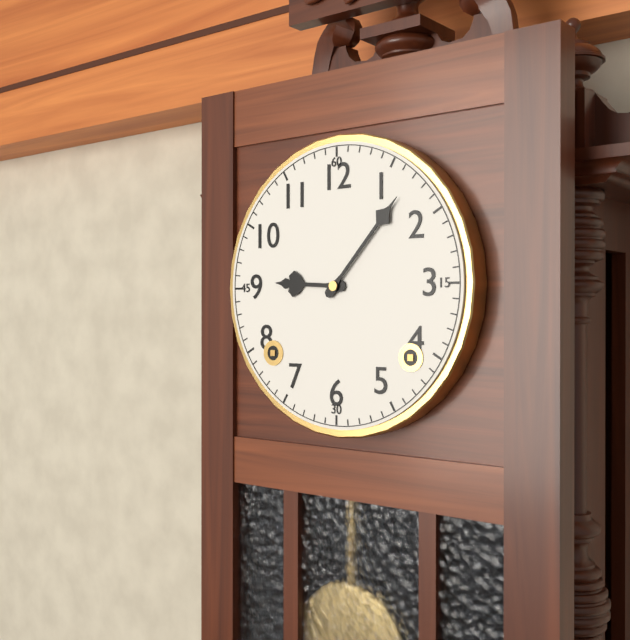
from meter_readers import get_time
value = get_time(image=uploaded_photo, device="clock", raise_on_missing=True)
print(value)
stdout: 9:07
